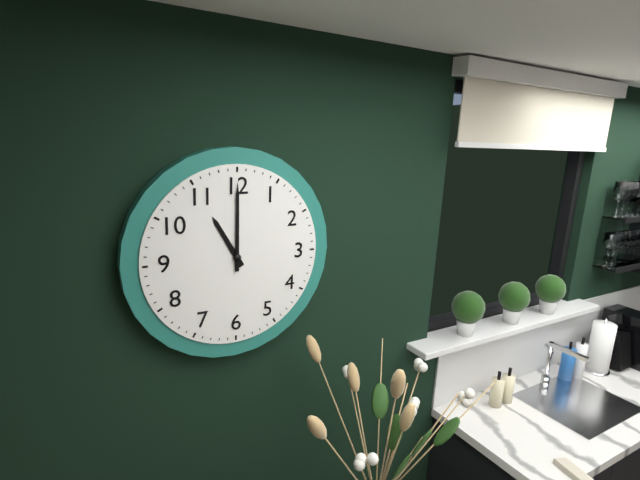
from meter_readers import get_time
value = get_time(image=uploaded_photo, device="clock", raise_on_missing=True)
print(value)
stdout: 11:00
